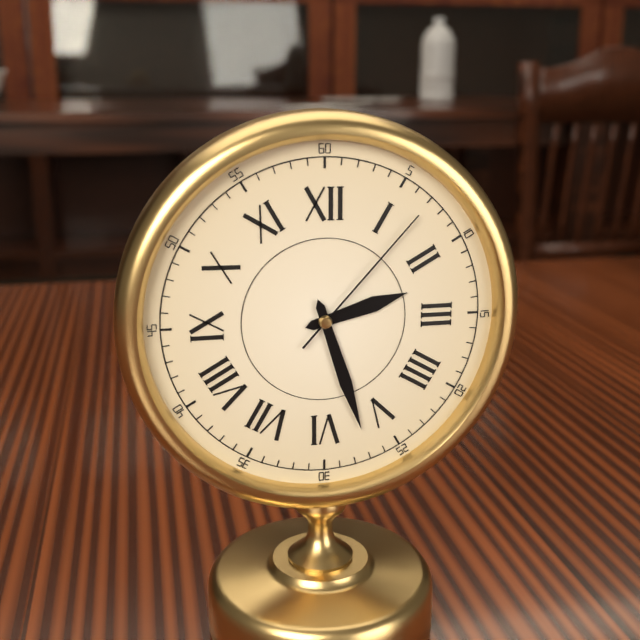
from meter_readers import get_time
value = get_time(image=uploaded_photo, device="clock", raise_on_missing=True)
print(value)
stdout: 2:27:07
